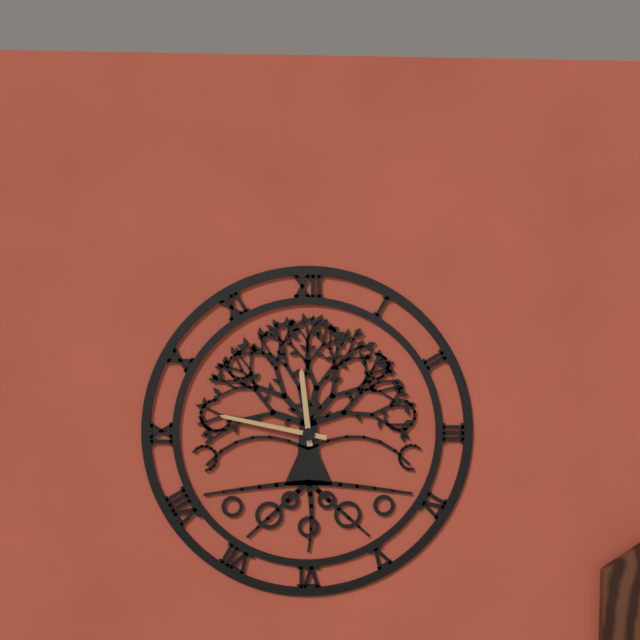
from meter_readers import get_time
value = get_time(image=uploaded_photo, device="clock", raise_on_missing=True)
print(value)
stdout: 11:47
